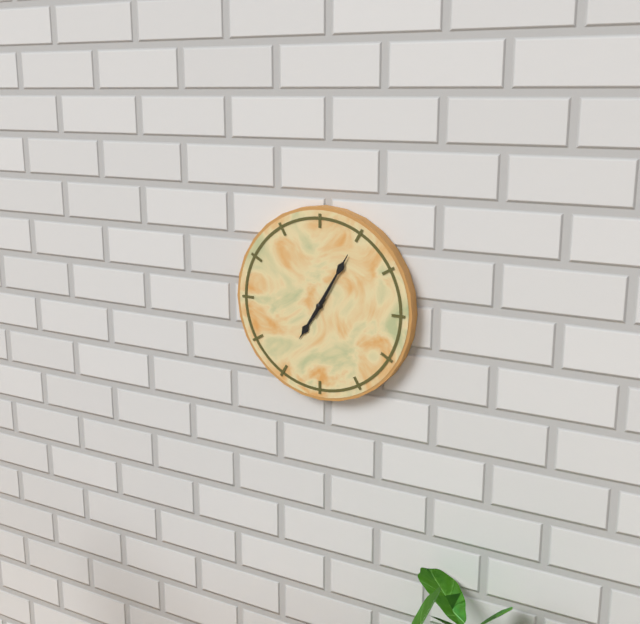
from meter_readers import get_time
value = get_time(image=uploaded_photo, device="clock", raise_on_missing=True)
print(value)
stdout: 7:05
